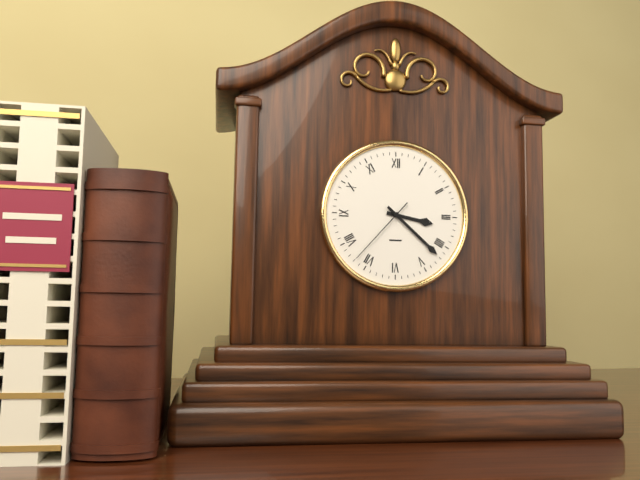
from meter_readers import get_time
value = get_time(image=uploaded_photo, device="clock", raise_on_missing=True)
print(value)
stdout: 3:22:37
